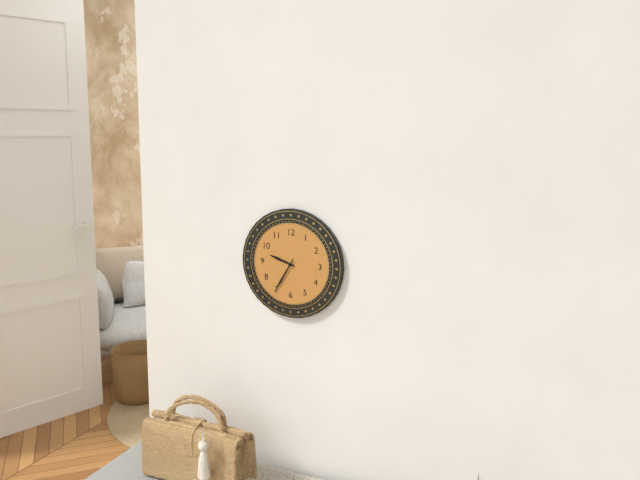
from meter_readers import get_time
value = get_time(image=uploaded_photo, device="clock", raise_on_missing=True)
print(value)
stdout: 9:35
